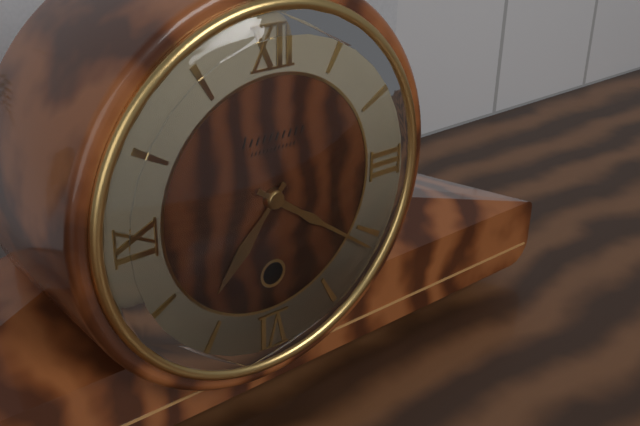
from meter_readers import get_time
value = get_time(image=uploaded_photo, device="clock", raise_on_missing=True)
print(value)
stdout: 7:21
